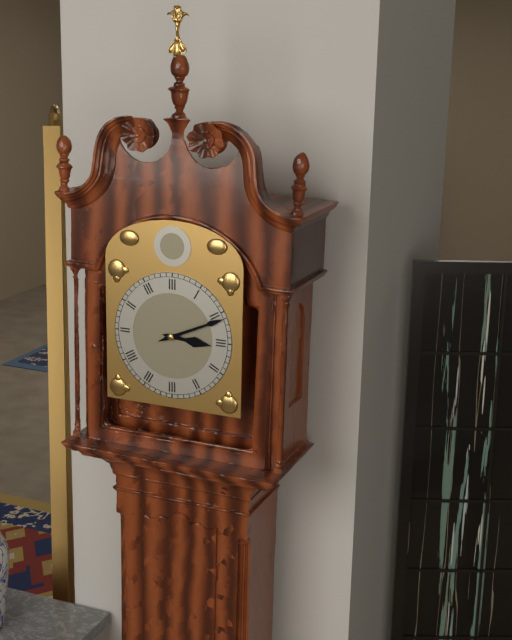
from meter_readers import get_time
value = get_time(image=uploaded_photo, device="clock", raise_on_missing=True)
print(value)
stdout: 3:11
